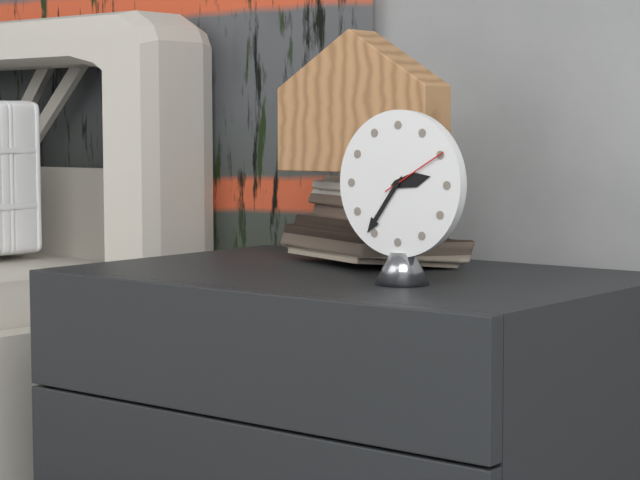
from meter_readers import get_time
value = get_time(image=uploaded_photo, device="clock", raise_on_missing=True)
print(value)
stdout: 2:36:10
